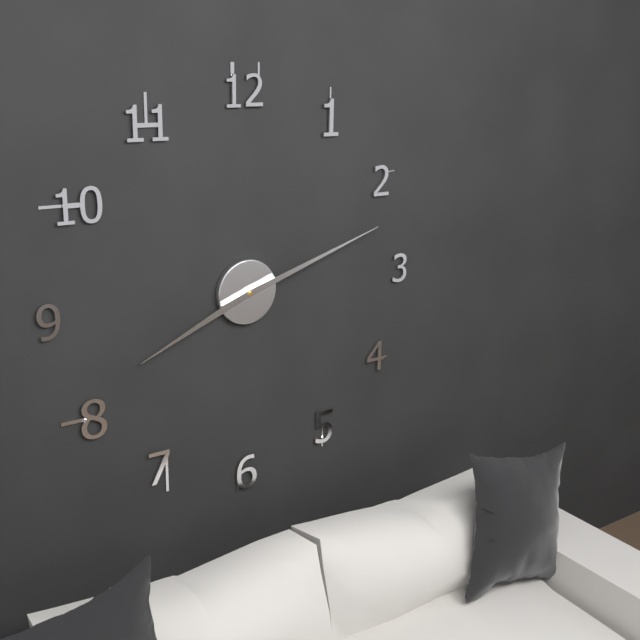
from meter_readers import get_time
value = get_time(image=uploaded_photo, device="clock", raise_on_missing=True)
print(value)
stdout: 8:12
